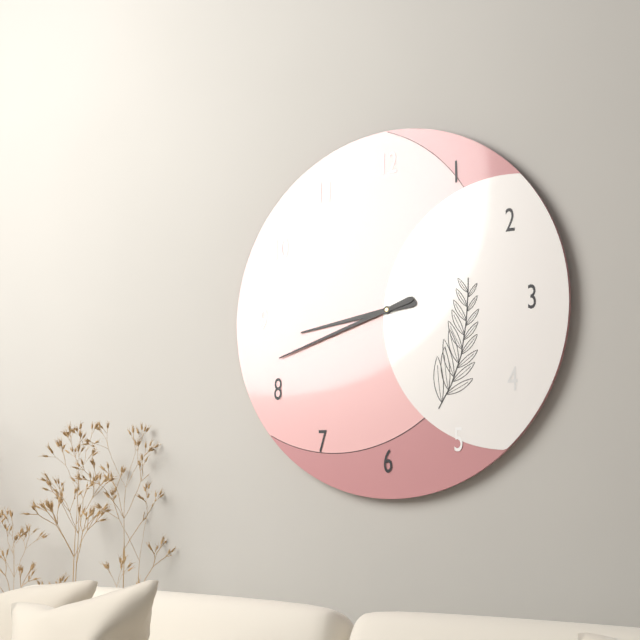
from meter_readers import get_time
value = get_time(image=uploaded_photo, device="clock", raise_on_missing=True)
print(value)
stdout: 8:42
